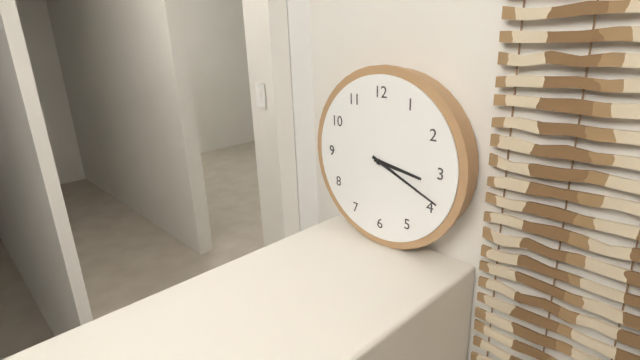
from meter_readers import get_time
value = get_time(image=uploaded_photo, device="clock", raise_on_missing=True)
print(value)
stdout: 3:19
